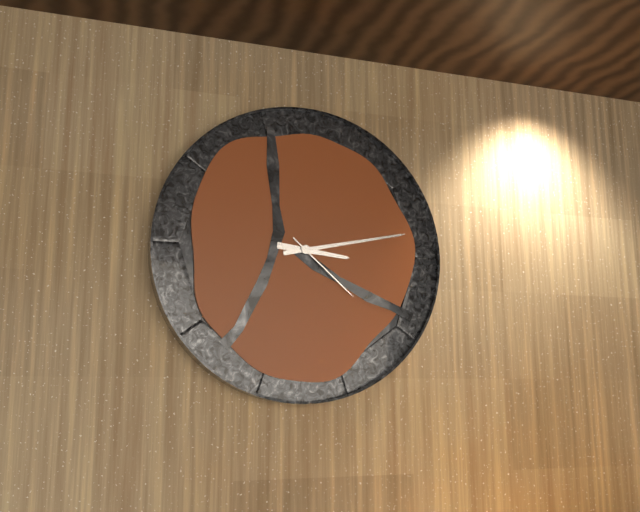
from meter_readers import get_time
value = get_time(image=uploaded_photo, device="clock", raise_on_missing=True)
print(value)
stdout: 3:13:22
